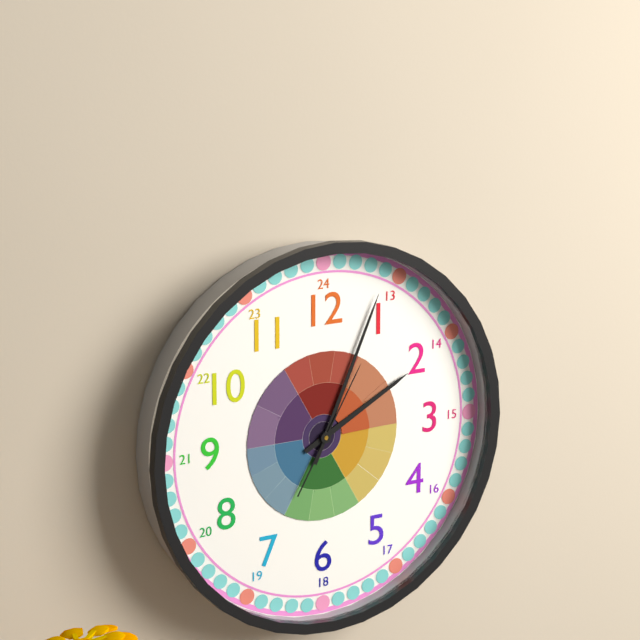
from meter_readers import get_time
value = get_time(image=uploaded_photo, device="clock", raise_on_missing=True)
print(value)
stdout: 2:04:05
